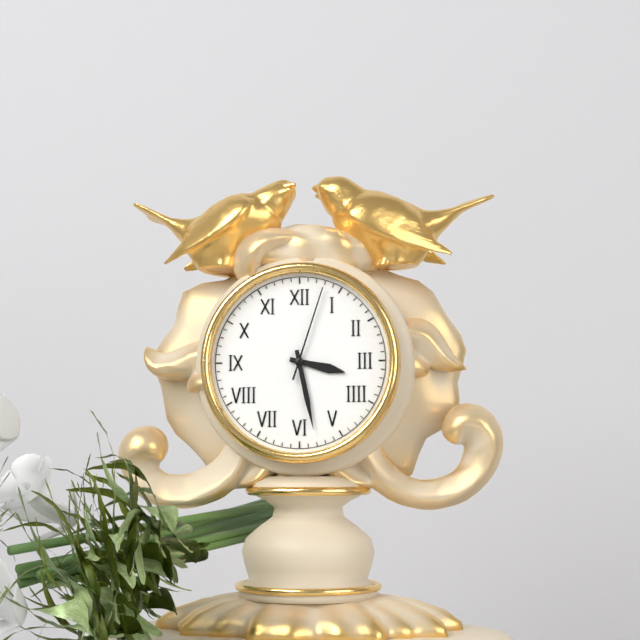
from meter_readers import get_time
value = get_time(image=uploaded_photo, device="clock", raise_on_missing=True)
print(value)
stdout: 3:28:03
